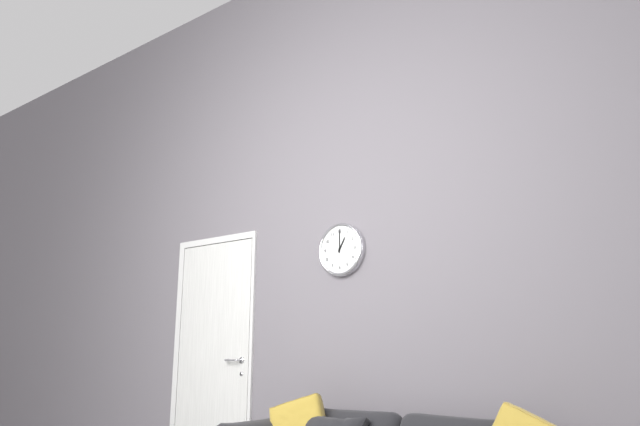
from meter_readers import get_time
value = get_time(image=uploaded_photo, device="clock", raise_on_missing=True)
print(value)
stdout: 1:00
